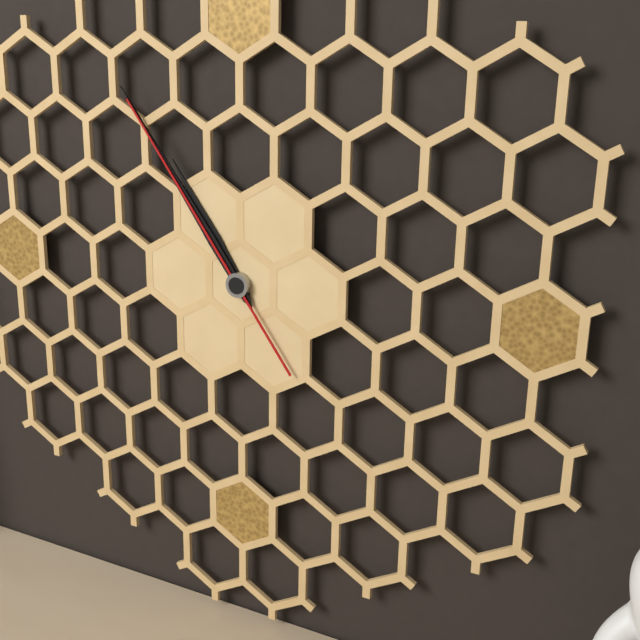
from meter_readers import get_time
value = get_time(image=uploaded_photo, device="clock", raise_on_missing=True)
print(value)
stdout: 10:54:54
